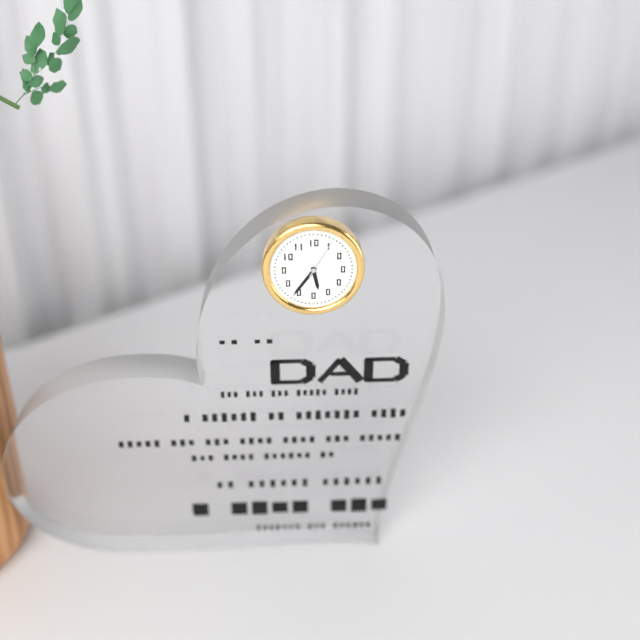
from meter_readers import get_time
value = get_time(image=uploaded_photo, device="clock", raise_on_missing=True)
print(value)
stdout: 5:36
